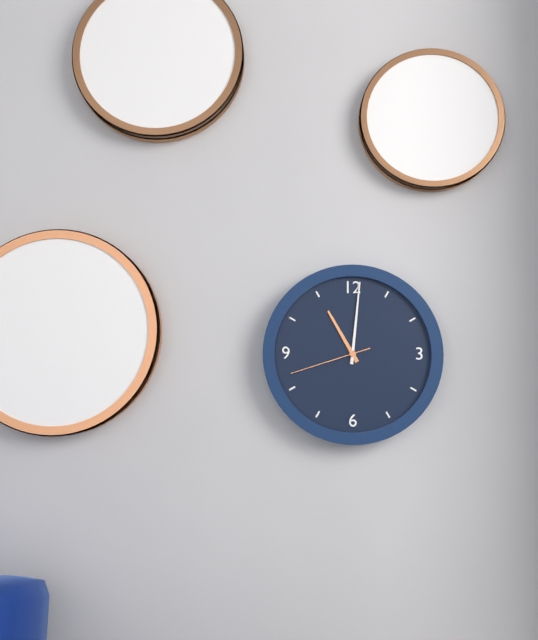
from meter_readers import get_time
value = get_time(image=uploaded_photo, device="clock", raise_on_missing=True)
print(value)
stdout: 11:01:42
